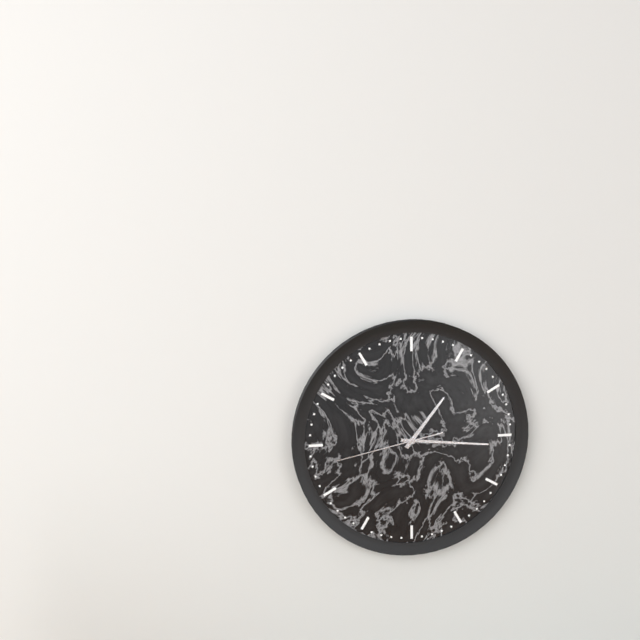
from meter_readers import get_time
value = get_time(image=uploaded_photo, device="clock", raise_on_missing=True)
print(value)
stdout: 1:16:43
